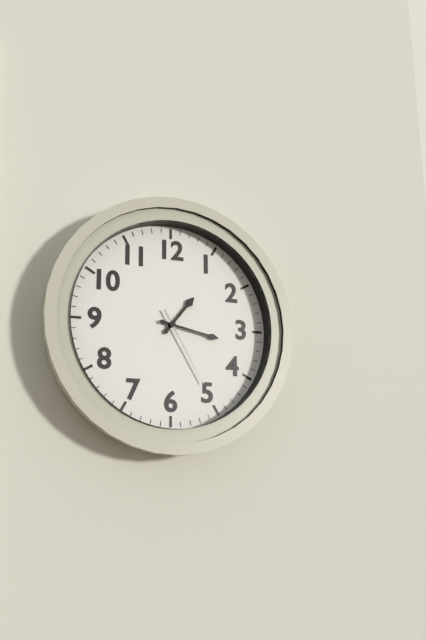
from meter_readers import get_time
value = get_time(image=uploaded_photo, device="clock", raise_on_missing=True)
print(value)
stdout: 1:17:25
